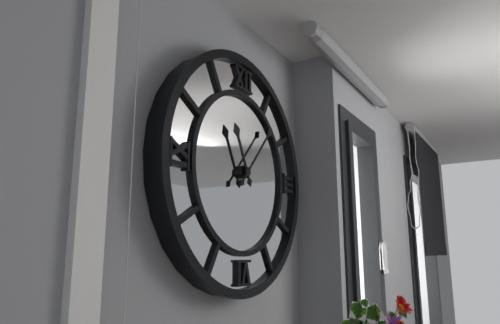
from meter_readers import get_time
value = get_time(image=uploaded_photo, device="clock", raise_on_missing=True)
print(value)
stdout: 11:07
